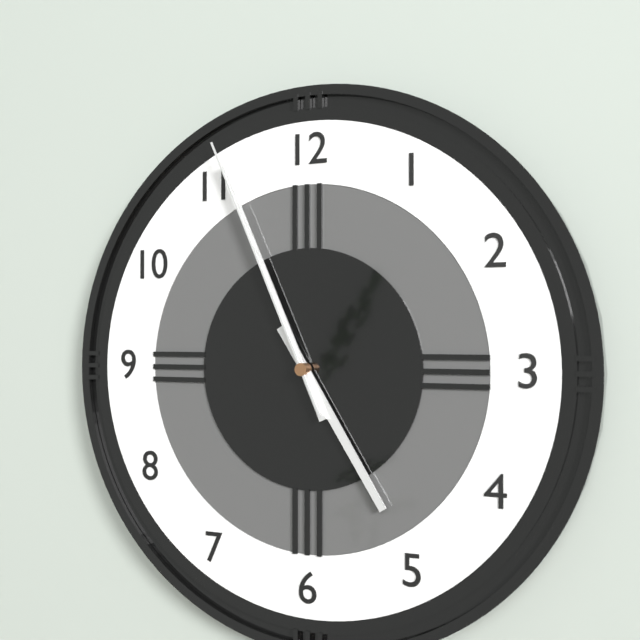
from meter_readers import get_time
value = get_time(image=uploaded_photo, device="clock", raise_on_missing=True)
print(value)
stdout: 4:56:56
